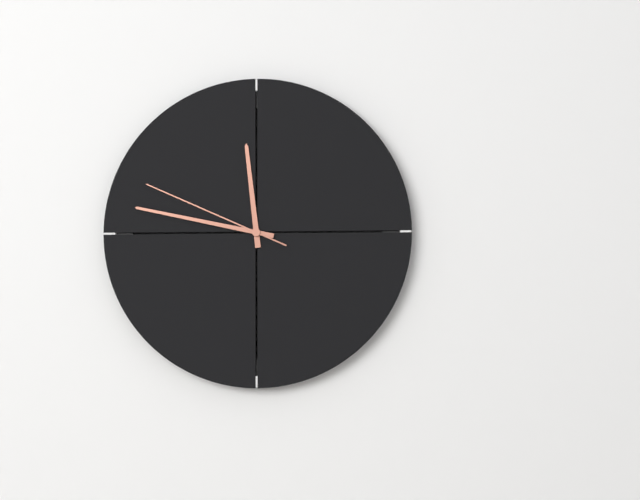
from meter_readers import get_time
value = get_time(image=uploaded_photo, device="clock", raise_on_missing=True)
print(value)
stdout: 11:47:49
